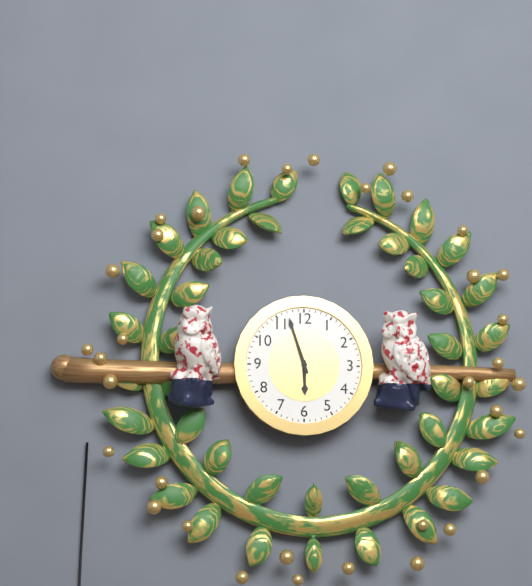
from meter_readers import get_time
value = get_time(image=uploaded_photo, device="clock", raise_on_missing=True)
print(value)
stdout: 5:57
